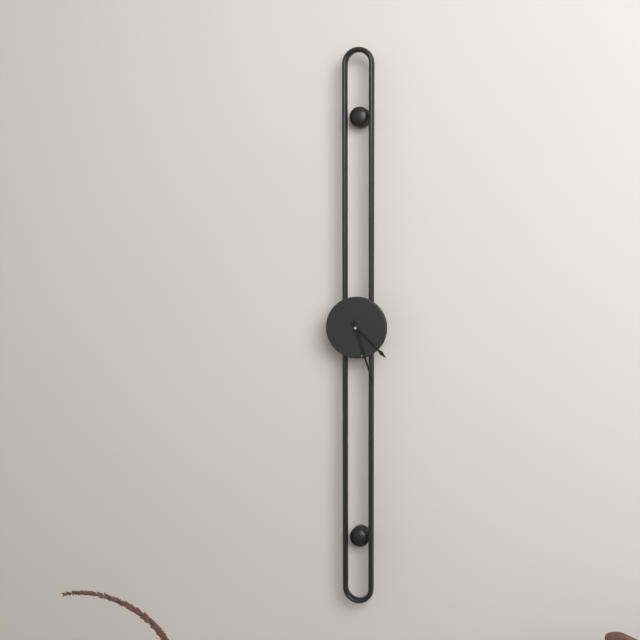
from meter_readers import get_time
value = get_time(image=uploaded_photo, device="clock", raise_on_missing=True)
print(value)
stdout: 4:27
